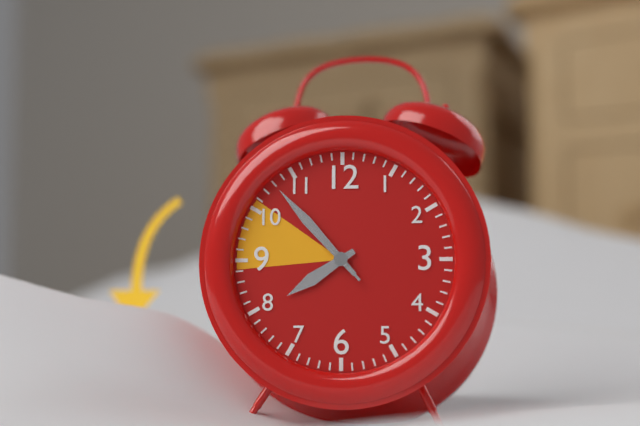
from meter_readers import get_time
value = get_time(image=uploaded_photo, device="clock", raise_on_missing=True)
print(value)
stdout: 7:53:53
